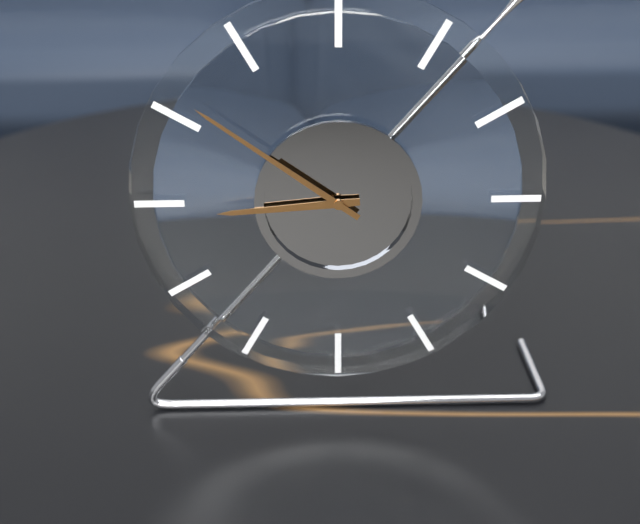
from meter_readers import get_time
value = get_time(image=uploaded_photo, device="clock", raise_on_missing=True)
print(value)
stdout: 8:51
